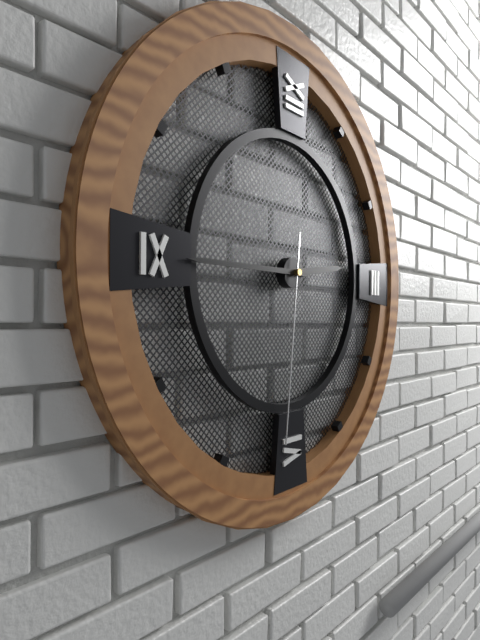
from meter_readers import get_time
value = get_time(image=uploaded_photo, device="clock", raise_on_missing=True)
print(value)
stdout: 2:45:31
